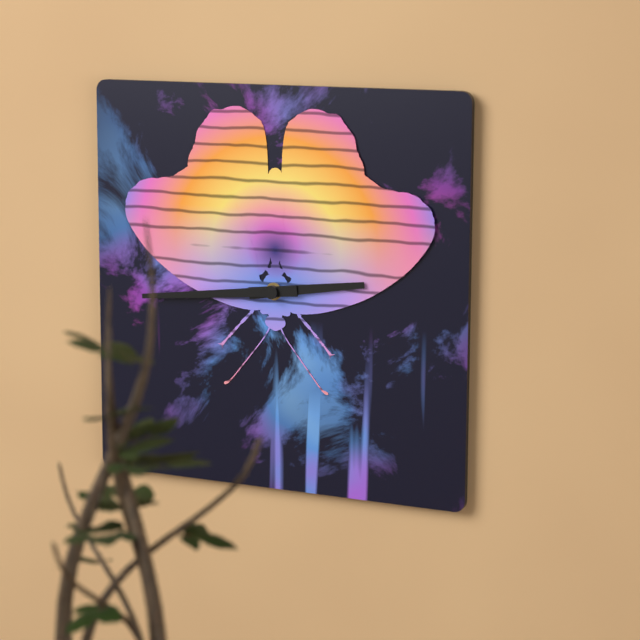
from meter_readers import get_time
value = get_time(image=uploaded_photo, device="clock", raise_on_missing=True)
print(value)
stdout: 2:44
